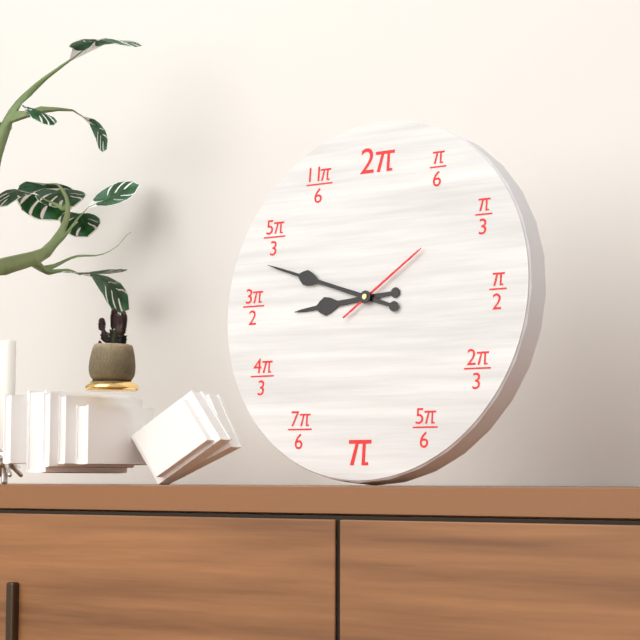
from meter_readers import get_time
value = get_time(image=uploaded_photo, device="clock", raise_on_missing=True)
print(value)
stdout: 8:48:09
